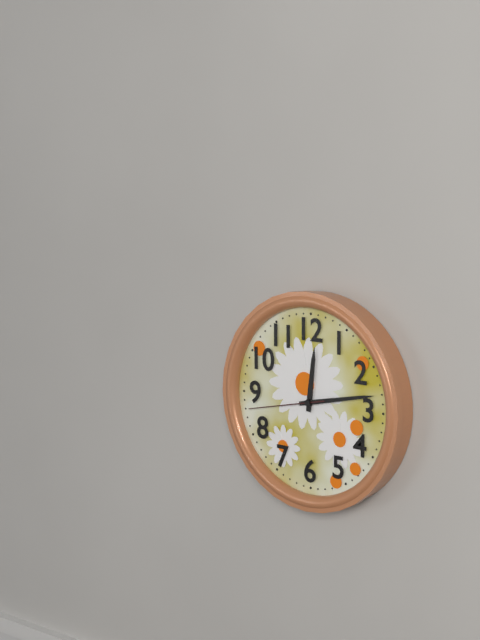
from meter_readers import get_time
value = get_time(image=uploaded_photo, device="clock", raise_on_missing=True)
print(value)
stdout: 12:13:43
